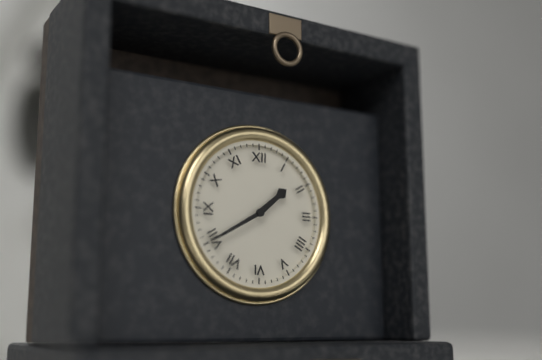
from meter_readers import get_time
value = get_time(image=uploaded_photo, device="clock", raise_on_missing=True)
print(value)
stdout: 1:40
